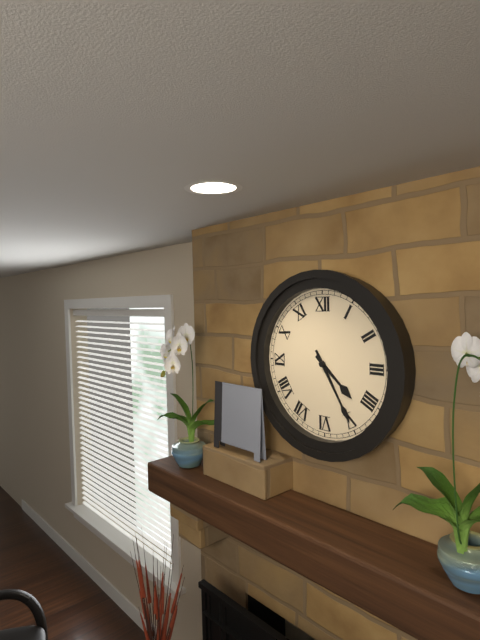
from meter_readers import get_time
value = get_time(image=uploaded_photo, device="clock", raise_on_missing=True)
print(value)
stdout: 4:25
